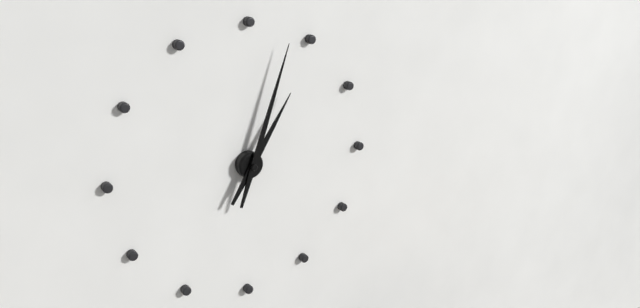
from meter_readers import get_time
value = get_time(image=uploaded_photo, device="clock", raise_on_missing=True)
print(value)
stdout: 1:03
